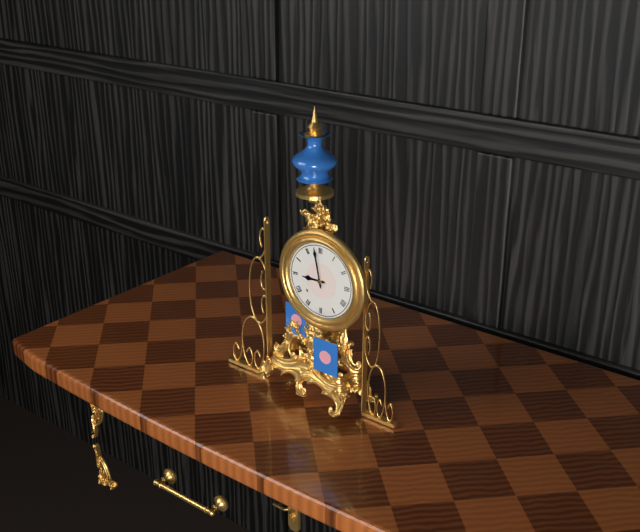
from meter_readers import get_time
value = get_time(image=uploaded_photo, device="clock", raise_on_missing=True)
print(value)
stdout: 8:58
